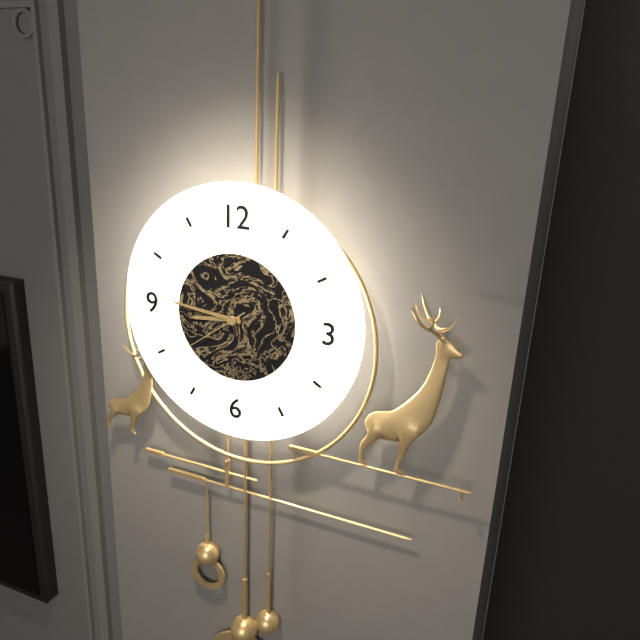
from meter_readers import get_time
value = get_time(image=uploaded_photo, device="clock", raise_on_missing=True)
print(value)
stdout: 8:46:39
